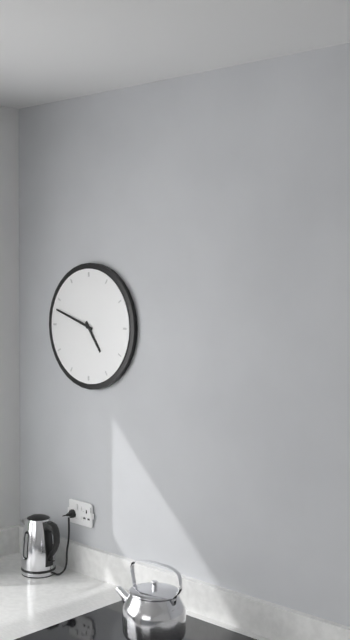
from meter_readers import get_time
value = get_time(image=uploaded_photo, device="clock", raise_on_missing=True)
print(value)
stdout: 4:48
